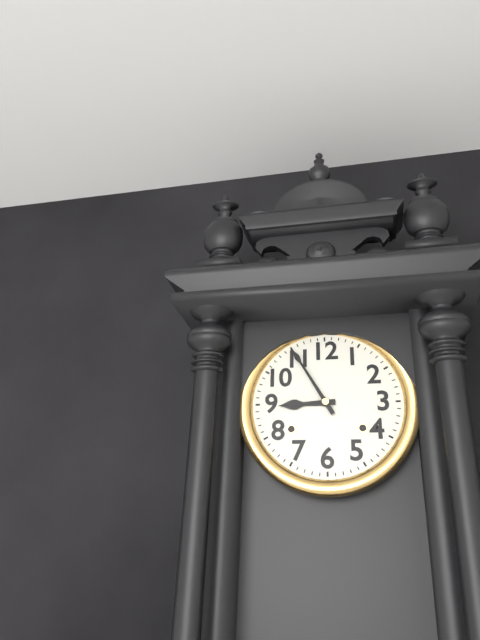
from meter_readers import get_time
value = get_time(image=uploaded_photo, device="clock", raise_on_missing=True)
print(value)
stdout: 8:55
